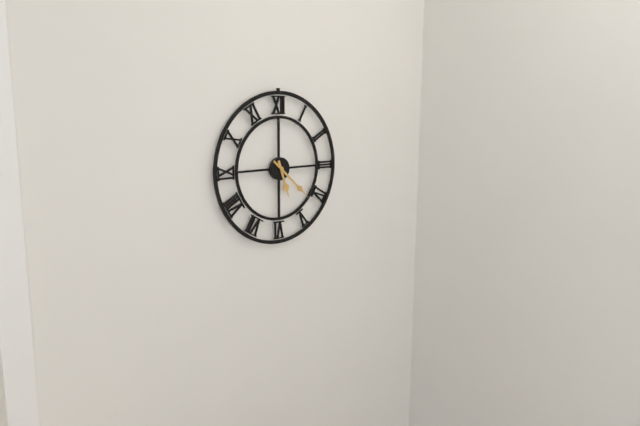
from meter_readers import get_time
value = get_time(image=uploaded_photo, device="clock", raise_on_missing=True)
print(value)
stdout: 5:22
